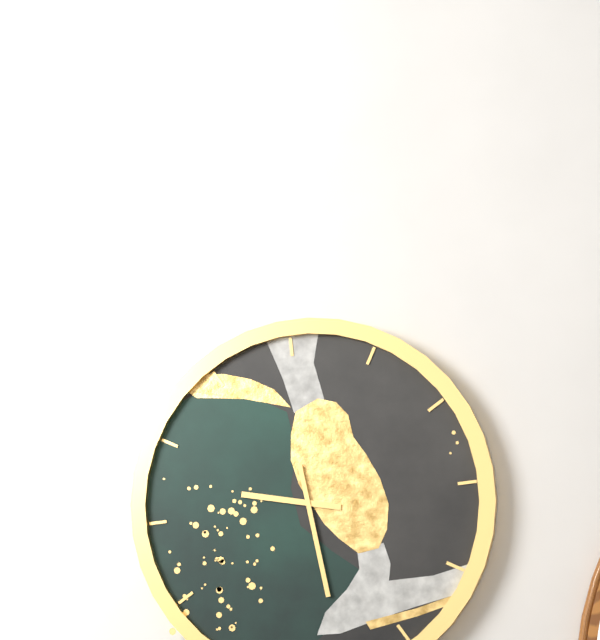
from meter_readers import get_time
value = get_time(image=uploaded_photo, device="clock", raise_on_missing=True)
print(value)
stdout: 9:29
